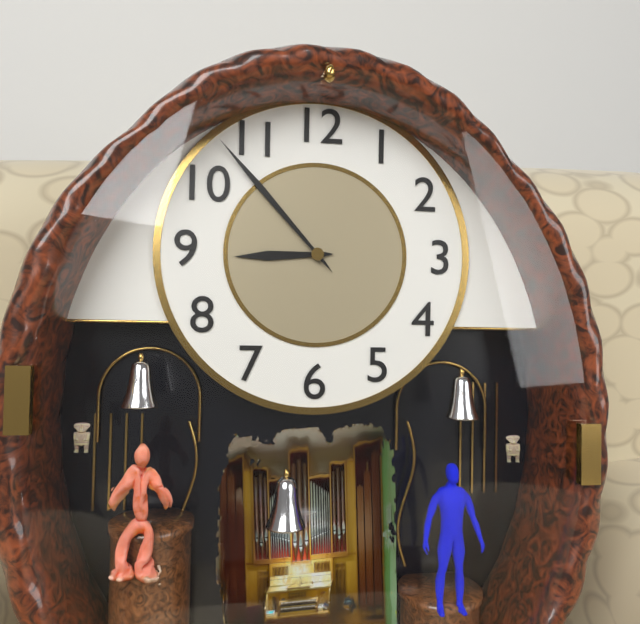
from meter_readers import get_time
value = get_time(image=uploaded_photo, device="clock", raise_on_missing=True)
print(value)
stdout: 8:53
